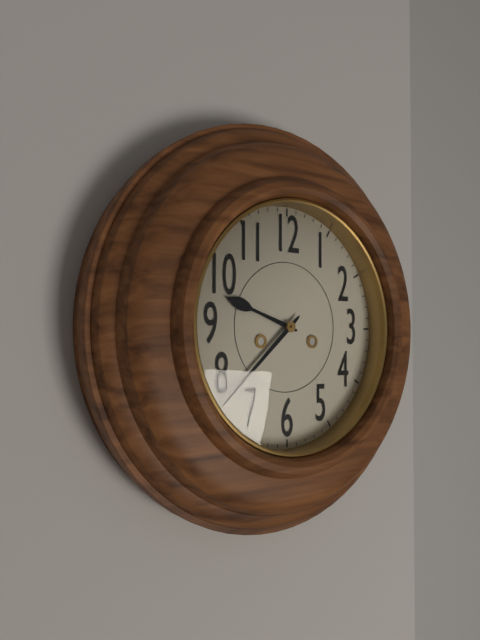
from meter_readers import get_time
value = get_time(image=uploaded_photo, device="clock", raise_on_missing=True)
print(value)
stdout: 9:38
